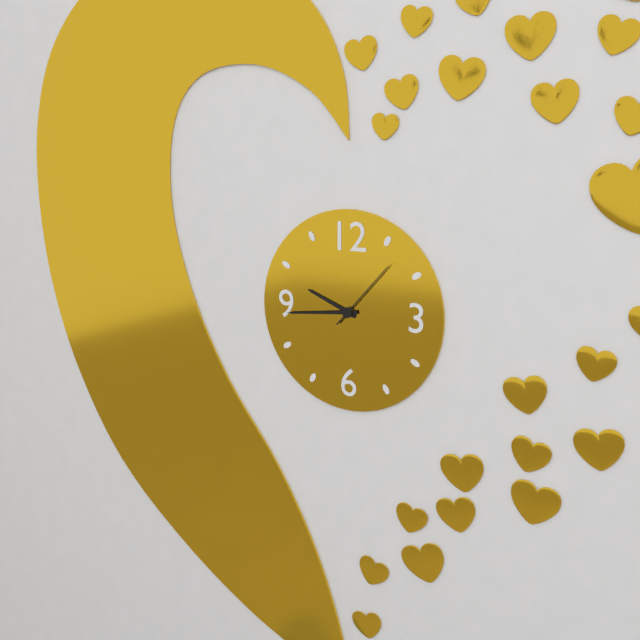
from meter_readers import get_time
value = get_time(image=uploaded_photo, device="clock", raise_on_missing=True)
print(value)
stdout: 9:44:07
